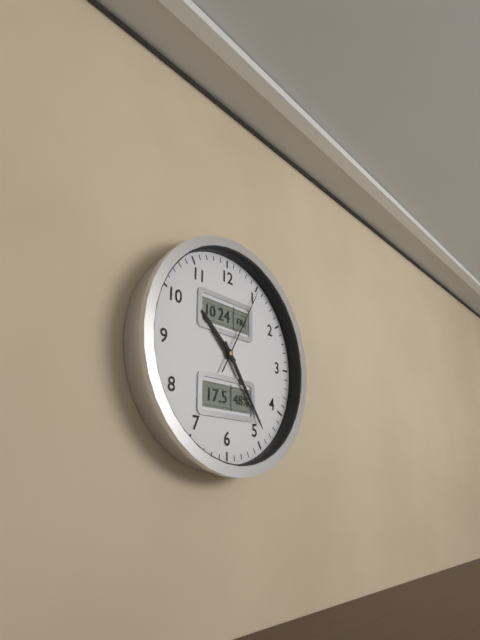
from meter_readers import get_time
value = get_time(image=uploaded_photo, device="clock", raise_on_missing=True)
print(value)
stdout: 10:24:05
